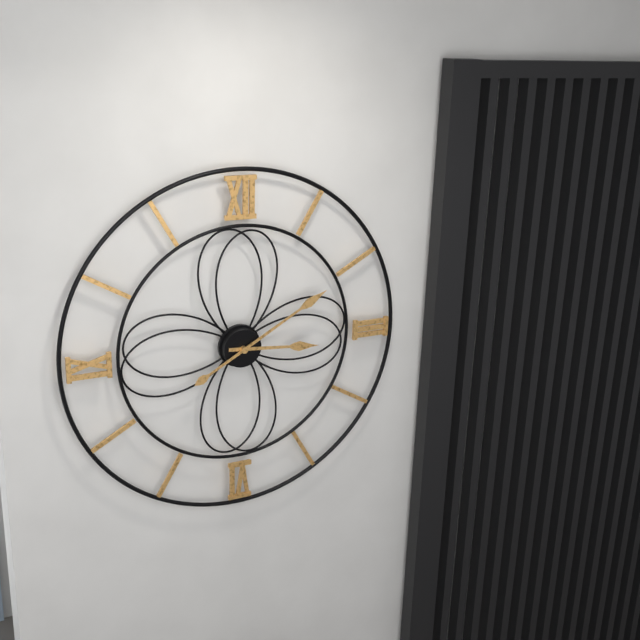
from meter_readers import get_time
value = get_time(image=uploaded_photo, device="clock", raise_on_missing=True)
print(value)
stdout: 3:10
